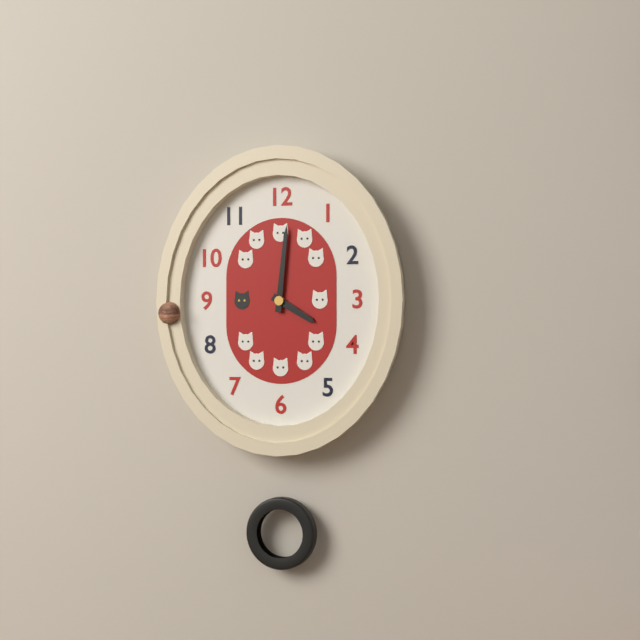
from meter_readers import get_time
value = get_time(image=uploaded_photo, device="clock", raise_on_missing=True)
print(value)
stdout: 4:01
